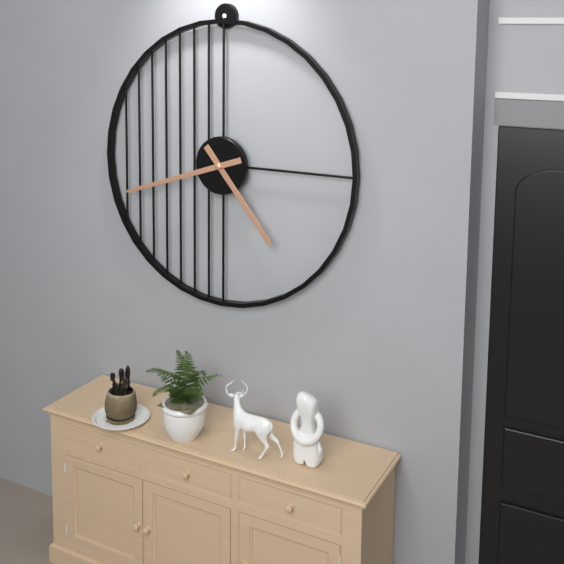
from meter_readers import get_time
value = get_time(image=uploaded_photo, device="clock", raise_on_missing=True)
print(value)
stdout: 4:42
